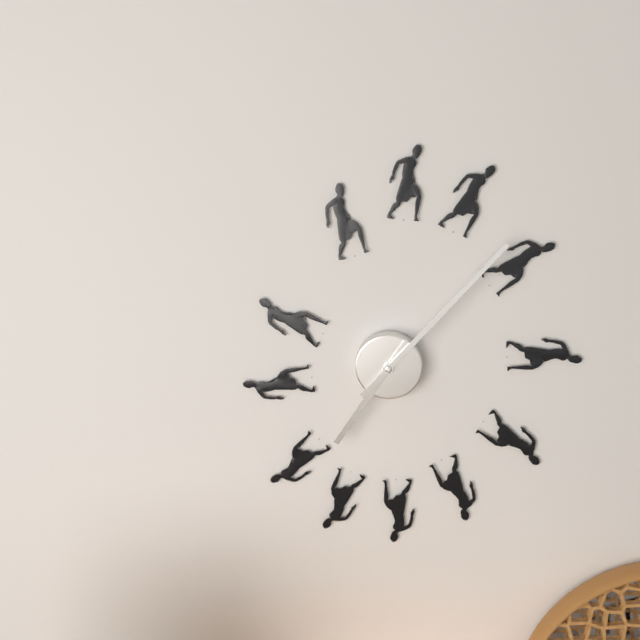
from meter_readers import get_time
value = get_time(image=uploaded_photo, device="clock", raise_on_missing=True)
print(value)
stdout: 7:07
